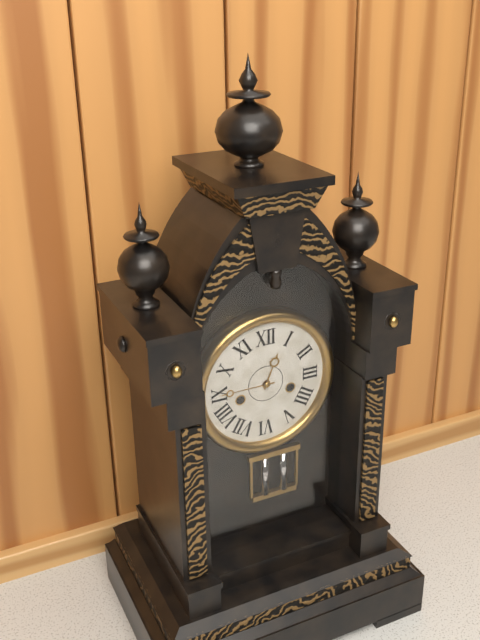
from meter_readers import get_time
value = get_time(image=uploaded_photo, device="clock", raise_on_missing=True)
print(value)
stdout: 12:45
